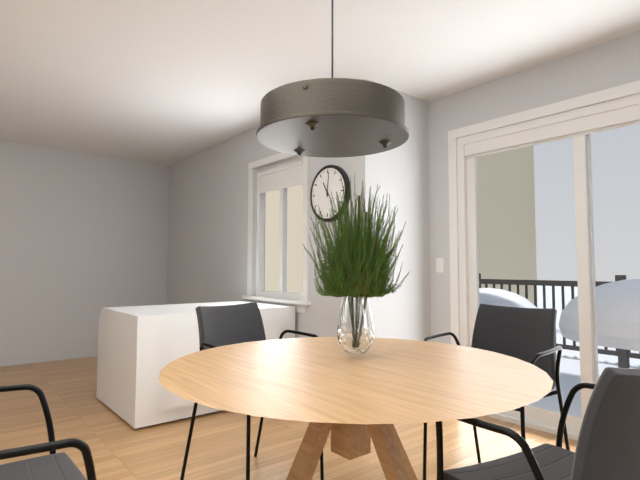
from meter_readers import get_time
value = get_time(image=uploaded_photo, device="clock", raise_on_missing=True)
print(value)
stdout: 11:01
